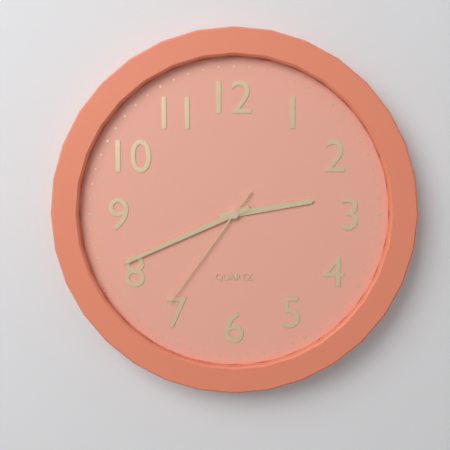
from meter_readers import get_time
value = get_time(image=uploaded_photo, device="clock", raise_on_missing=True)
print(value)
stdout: 2:41:36
